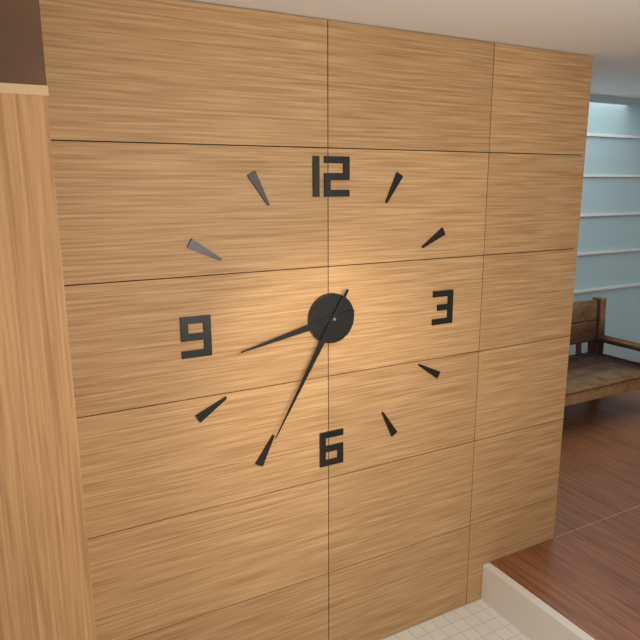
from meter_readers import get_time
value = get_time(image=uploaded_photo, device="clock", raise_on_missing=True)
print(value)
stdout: 8:35
